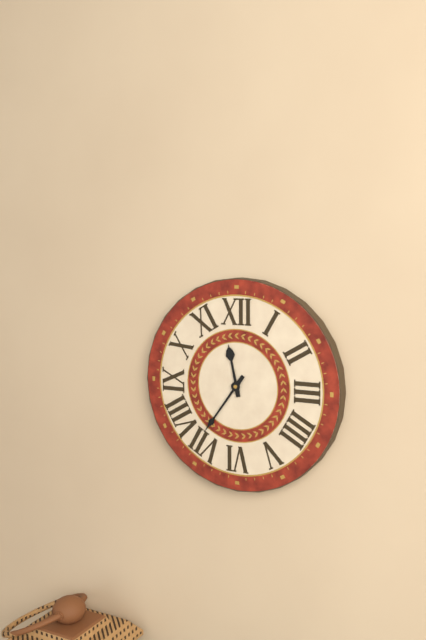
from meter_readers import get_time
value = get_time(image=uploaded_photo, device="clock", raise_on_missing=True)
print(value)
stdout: 11:36
